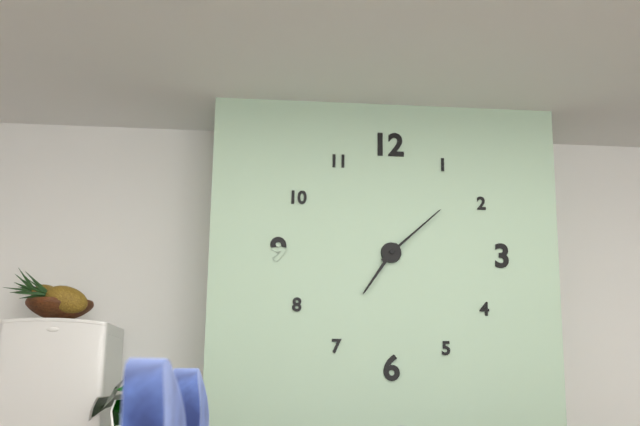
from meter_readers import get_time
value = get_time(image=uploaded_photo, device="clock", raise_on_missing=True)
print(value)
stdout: 7:08
